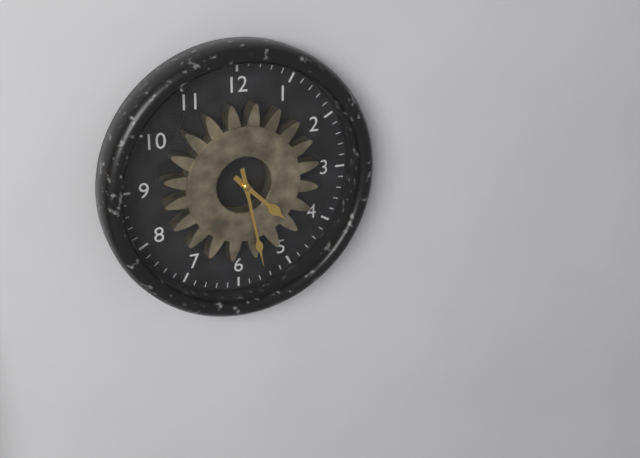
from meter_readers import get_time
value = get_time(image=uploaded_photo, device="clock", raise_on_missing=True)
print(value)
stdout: 4:28
